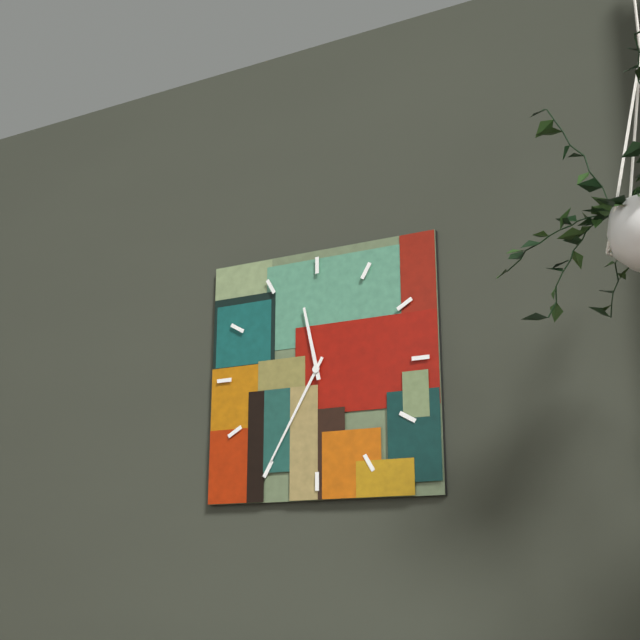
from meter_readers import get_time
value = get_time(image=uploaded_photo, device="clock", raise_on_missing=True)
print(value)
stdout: 11:35
